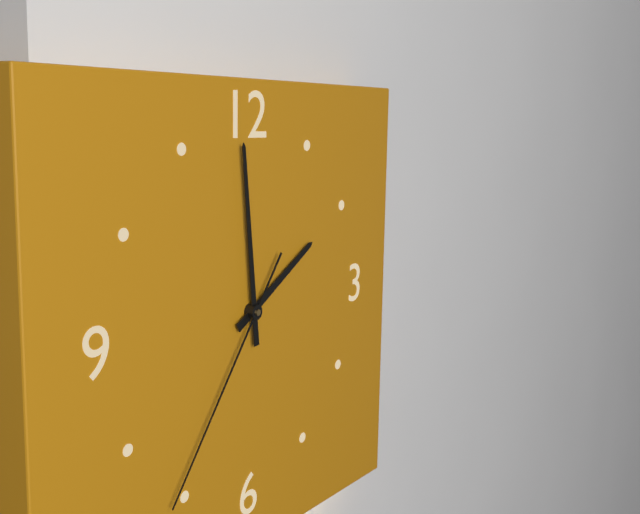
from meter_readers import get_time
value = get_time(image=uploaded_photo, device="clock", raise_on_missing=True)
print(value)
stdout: 1:59:36
